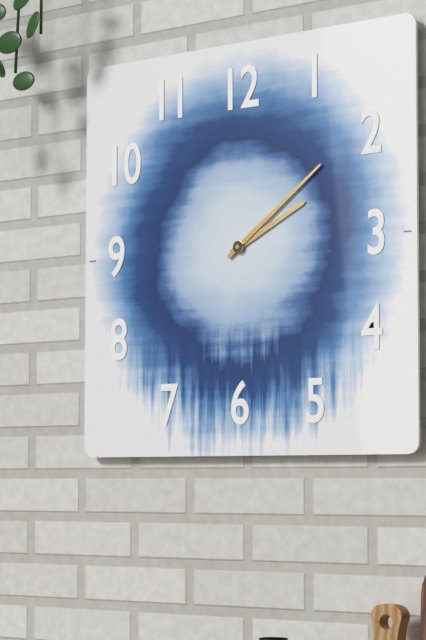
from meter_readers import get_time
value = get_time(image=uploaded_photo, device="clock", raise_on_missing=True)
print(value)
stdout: 2:09
